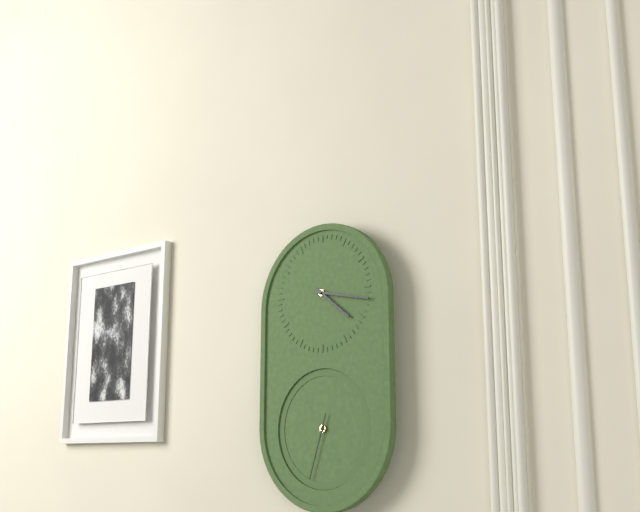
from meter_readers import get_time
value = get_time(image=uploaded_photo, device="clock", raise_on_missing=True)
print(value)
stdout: 4:17:33
